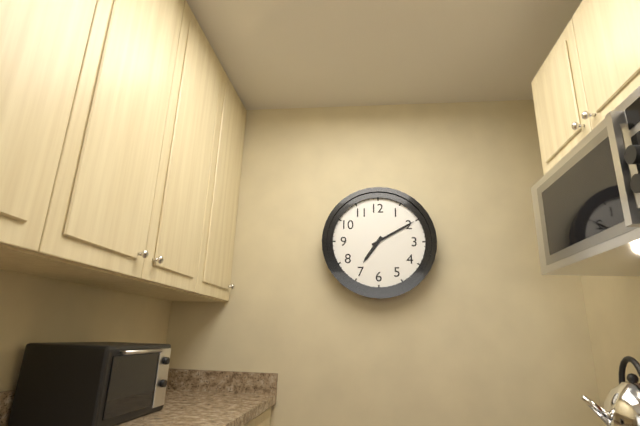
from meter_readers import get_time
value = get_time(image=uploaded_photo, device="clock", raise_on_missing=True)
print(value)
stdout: 7:10
